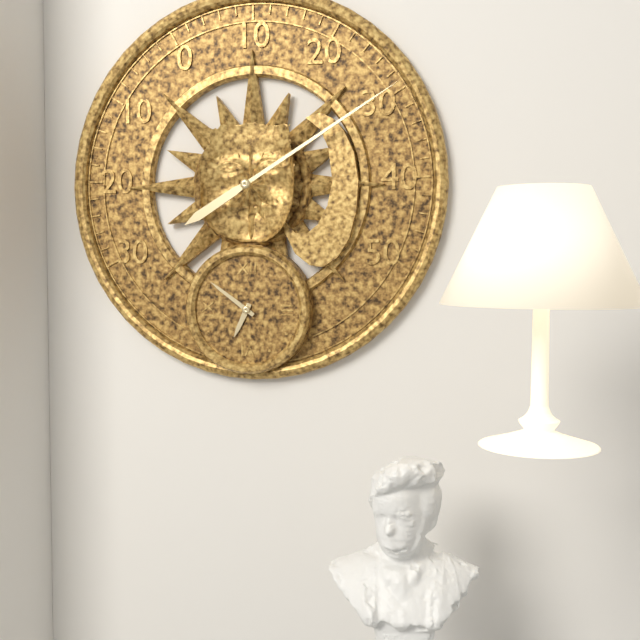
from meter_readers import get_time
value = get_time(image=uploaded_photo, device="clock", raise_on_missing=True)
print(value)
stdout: 6:51
